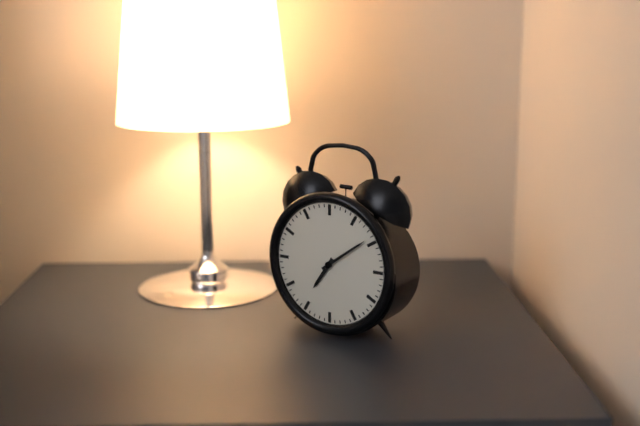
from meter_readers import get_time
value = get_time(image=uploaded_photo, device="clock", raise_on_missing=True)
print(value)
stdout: 7:09
